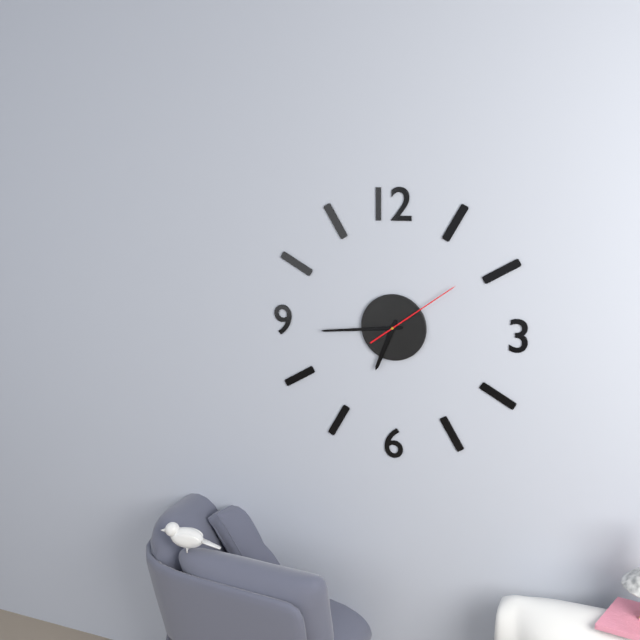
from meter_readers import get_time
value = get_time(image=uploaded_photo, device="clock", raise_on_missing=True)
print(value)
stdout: 6:44:09
